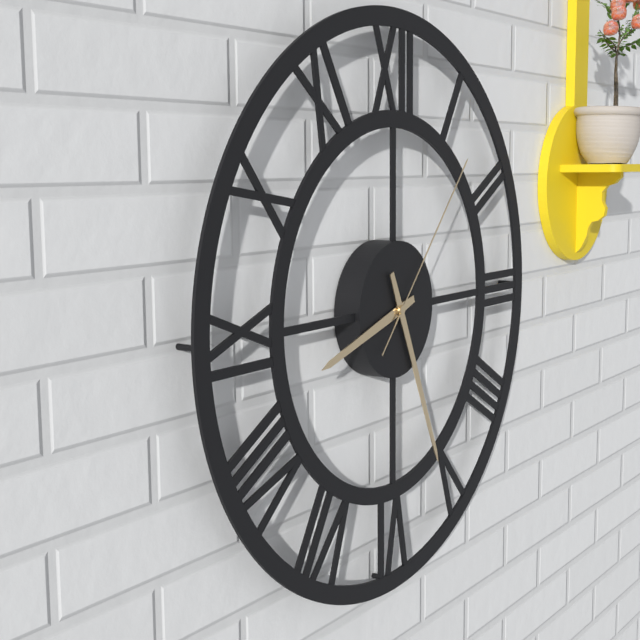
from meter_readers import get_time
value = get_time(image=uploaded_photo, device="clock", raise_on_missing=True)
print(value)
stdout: 8:26:07
